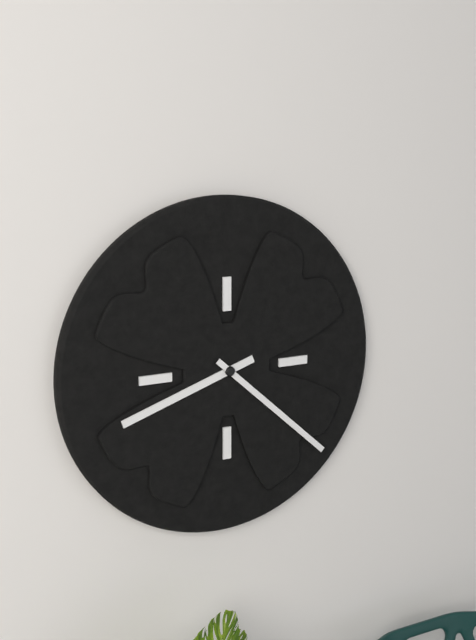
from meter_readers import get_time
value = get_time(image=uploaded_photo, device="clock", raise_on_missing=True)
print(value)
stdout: 8:22
